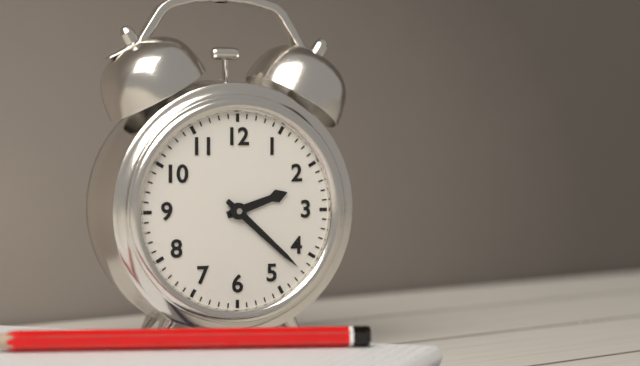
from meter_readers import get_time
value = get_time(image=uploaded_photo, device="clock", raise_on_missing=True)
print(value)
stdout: 2:22
